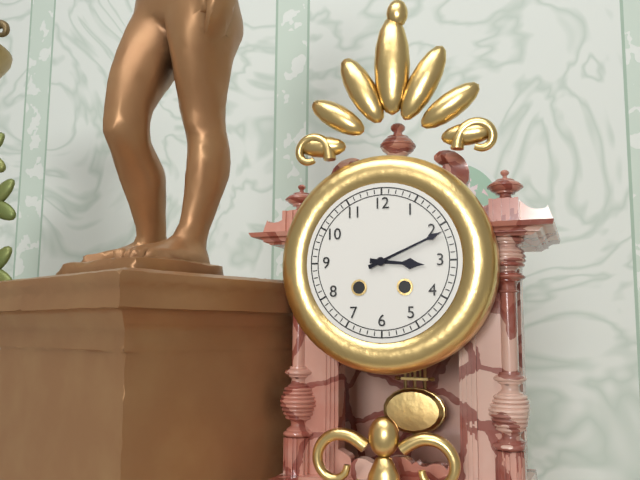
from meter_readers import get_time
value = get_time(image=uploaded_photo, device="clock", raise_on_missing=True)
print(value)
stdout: 3:11
